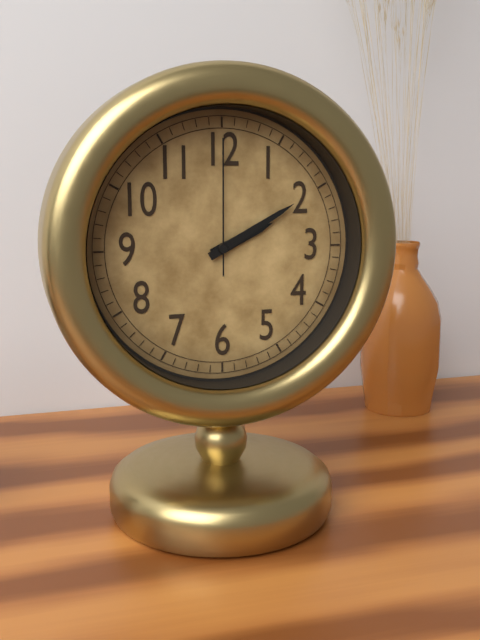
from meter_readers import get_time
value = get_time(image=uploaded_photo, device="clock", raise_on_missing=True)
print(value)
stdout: 2:10:00
